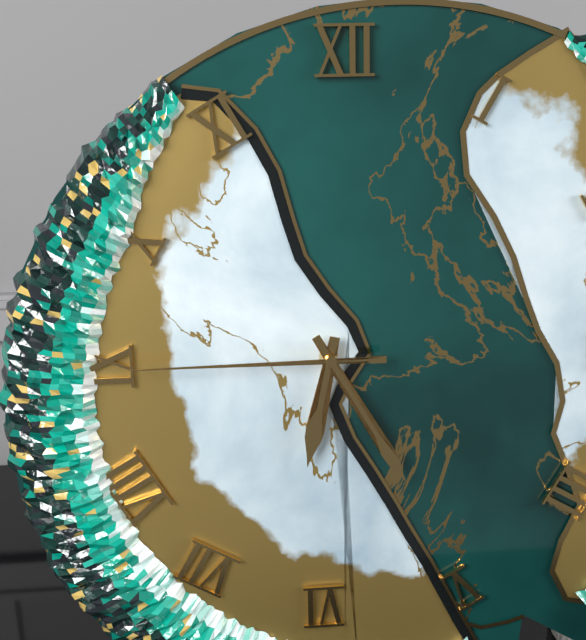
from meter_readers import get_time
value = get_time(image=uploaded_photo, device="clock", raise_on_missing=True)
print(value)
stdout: 6:25:45
